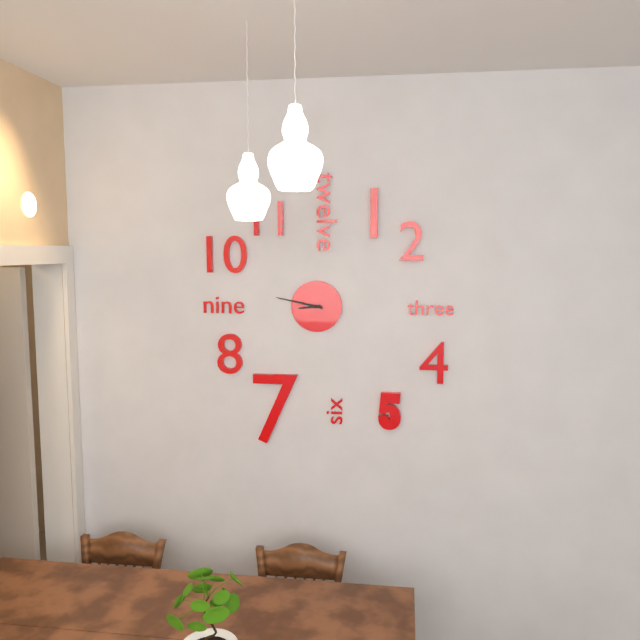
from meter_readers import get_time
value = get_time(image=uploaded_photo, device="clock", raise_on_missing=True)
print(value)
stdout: 8:47
